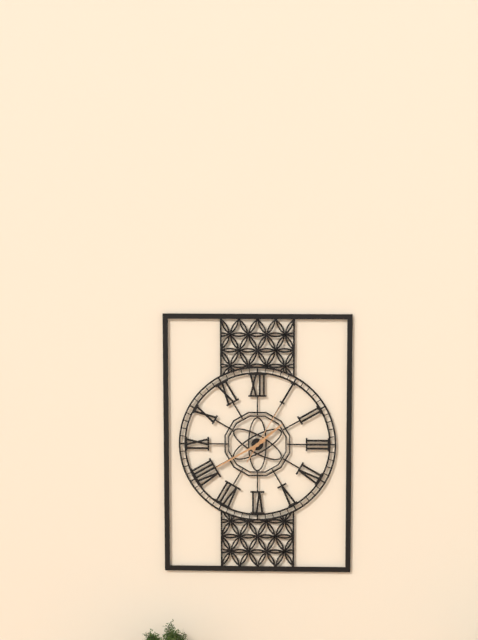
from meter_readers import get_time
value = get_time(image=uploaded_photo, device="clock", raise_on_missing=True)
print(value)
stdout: 1:40:05
